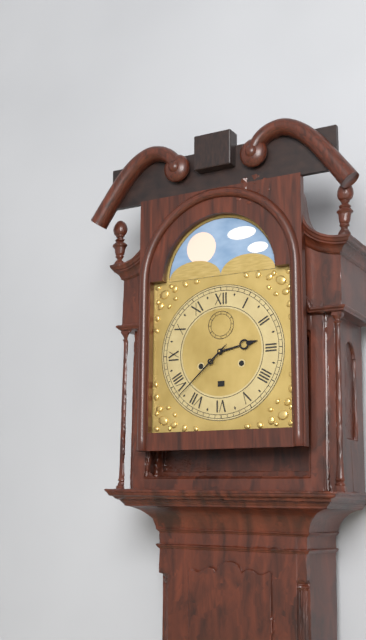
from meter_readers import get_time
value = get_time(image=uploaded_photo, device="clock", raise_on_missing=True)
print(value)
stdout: 2:38
